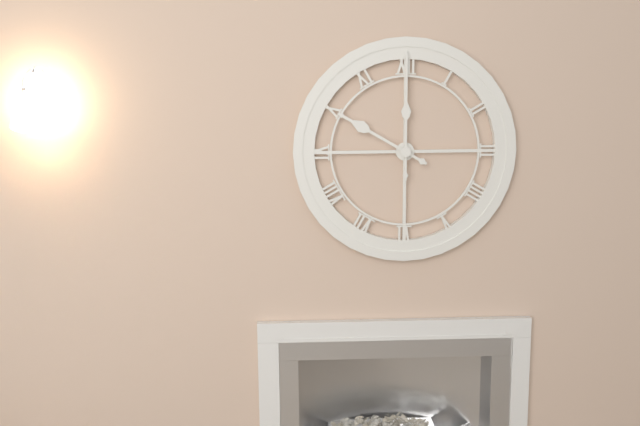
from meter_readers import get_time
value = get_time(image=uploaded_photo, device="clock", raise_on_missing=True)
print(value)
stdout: 10:00
